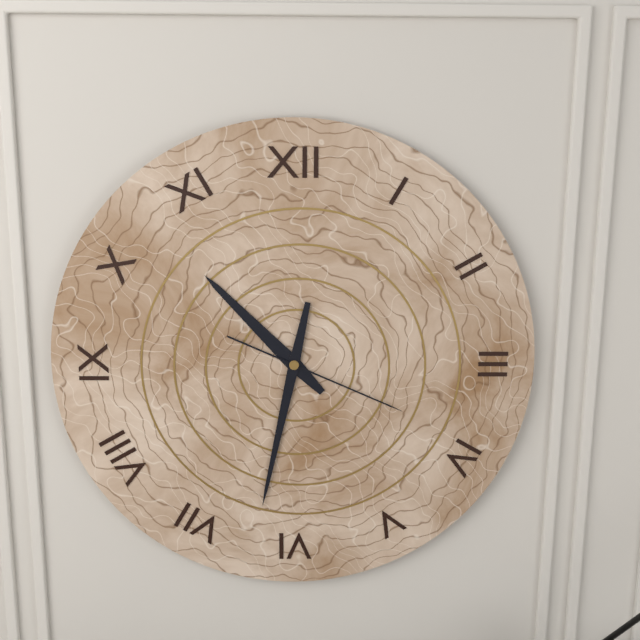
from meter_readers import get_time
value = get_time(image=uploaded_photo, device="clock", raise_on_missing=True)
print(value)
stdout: 10:32:19
